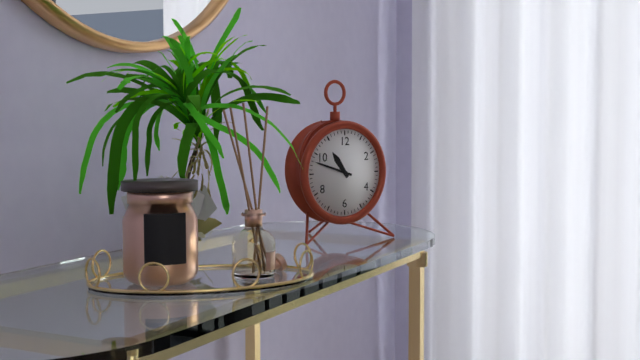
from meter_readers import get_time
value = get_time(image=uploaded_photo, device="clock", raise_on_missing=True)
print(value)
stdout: 10:48
